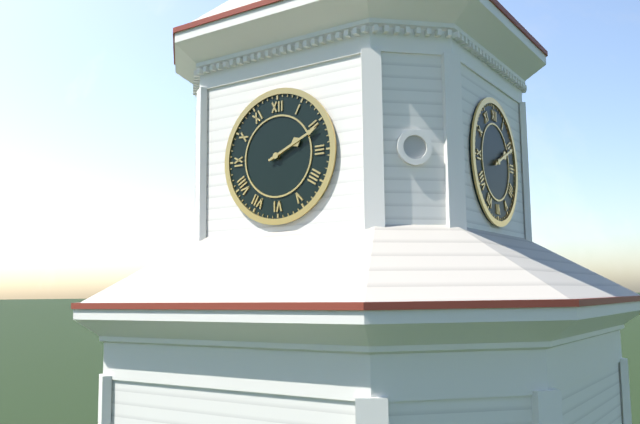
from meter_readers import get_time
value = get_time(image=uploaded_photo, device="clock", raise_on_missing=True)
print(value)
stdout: 2:11
